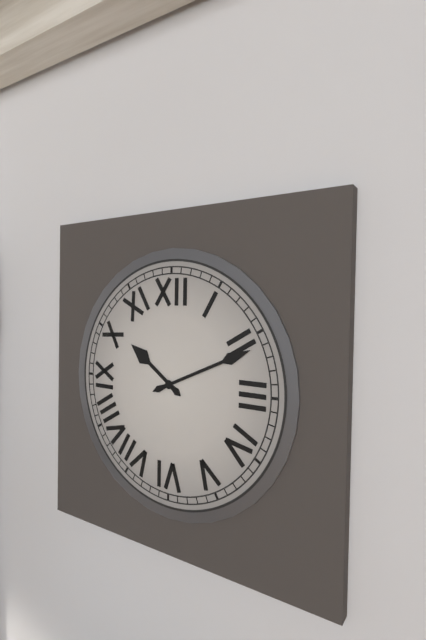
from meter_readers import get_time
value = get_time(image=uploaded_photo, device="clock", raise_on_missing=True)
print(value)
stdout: 10:11
